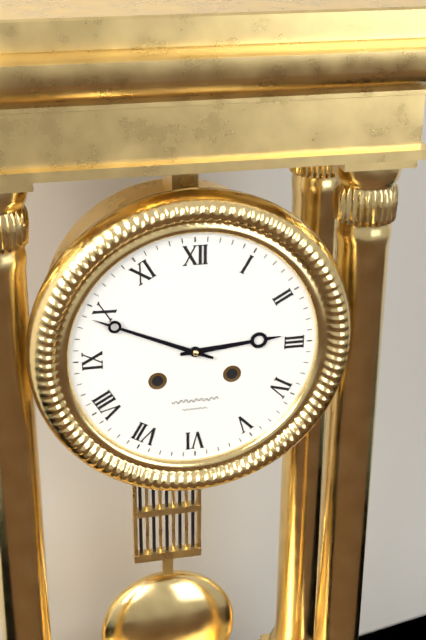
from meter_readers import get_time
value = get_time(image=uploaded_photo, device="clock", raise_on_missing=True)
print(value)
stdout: 2:49
